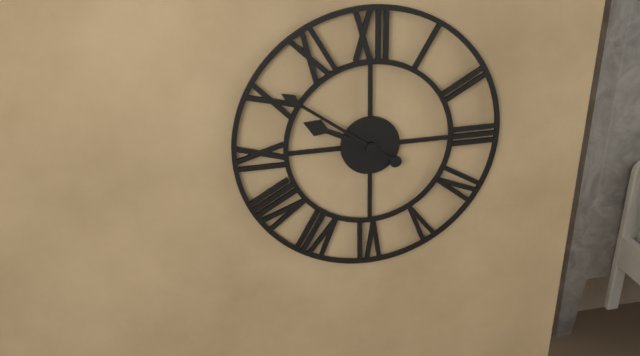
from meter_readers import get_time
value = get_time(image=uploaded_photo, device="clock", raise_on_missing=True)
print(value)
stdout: 9:51
